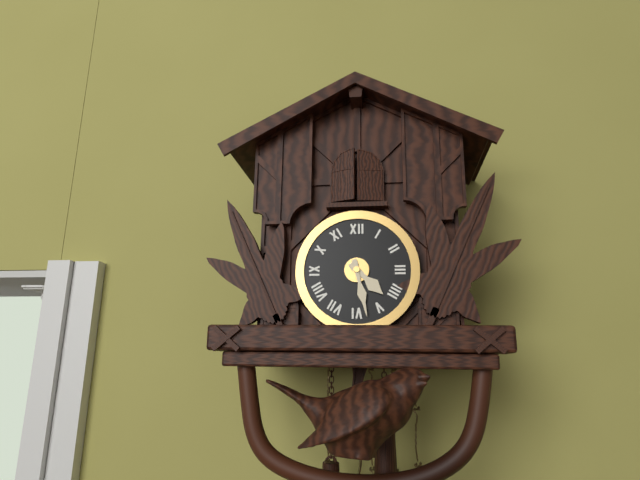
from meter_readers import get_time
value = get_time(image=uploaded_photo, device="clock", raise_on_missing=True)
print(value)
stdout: 4:28
